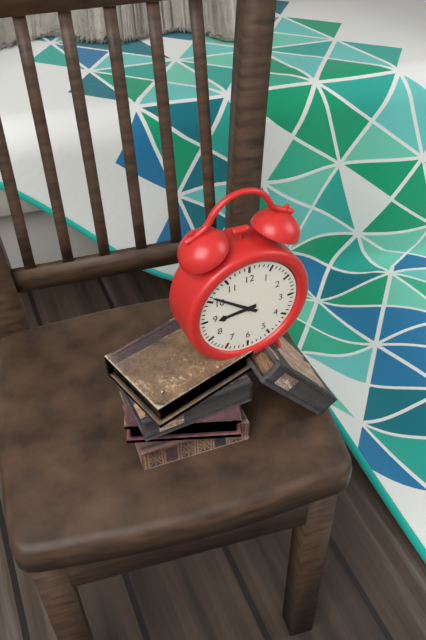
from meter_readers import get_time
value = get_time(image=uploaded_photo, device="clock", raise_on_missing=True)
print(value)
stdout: 8:51
